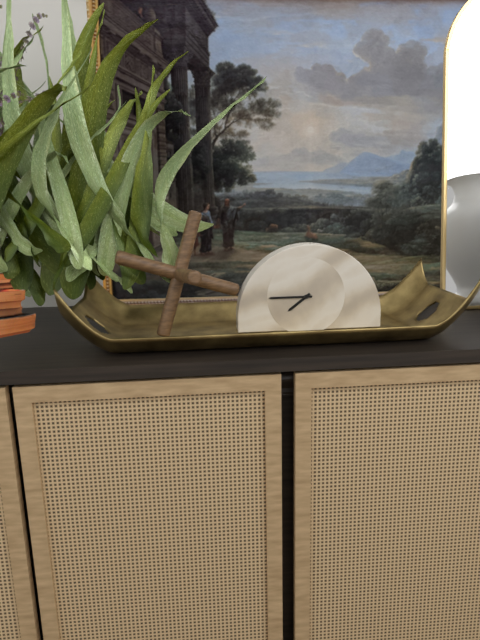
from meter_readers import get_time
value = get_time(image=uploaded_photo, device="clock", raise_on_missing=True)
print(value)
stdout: 7:45
